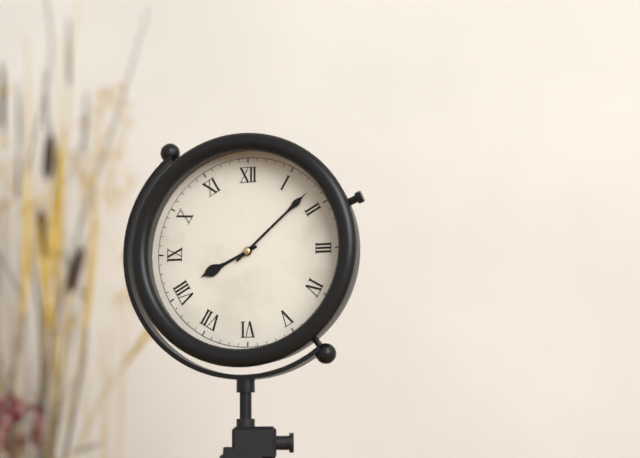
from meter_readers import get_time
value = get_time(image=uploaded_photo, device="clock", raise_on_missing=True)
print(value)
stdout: 8:08
